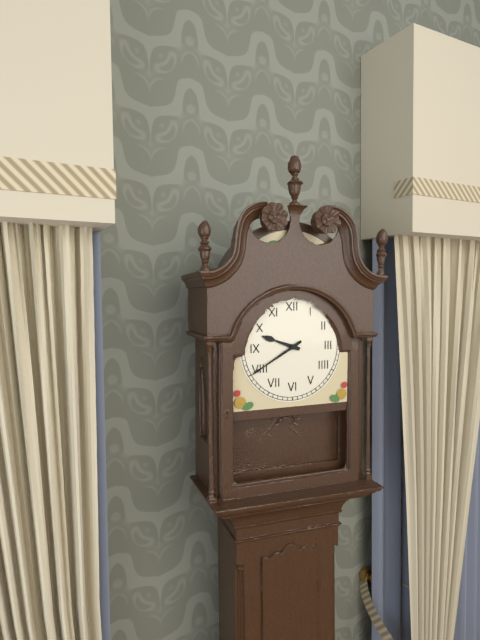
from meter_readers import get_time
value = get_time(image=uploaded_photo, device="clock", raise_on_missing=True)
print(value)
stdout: 9:40
